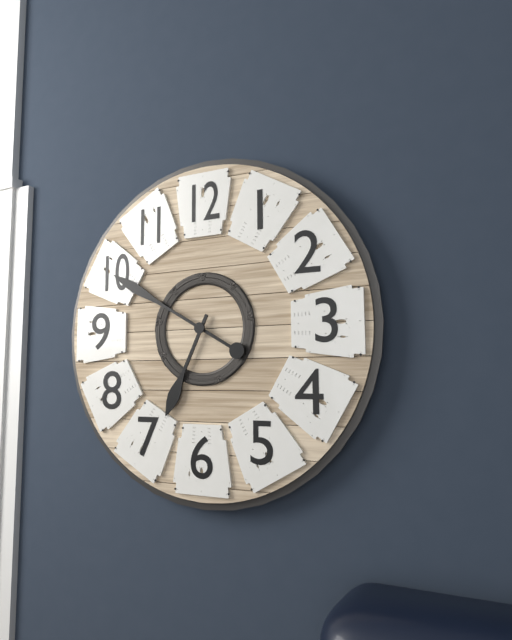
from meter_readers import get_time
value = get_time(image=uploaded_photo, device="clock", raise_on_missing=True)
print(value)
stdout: 6:50
